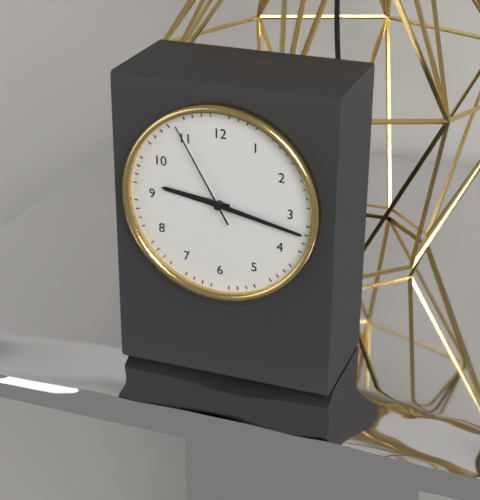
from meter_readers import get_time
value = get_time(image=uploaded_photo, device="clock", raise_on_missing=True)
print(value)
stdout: 9:17:55
